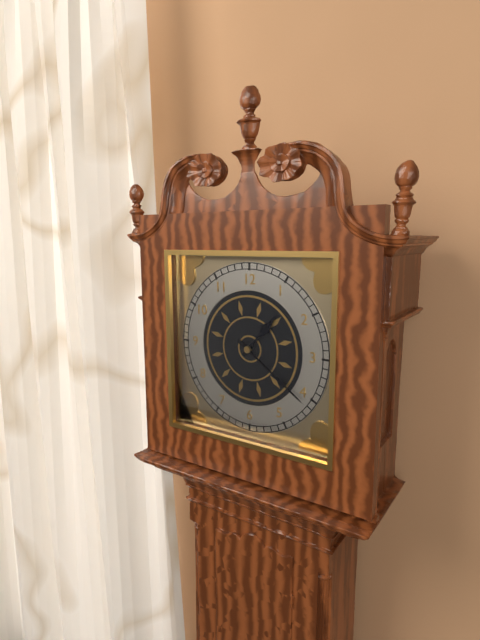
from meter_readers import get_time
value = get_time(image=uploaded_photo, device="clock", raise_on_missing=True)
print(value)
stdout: 1:21
